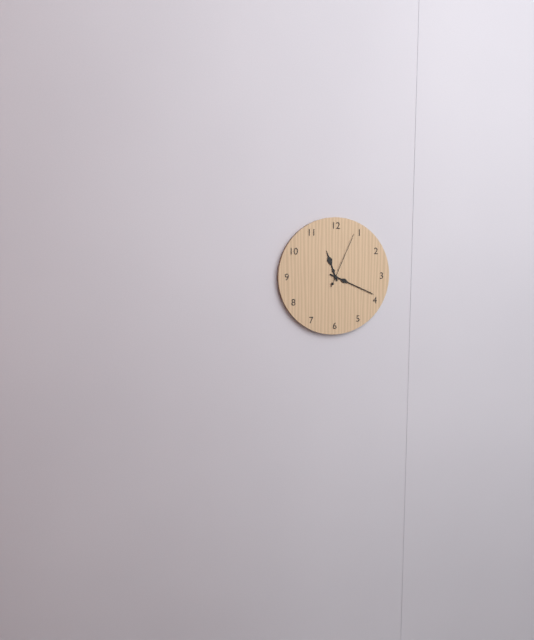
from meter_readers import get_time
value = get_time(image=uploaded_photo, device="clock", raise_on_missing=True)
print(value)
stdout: 11:19:04
